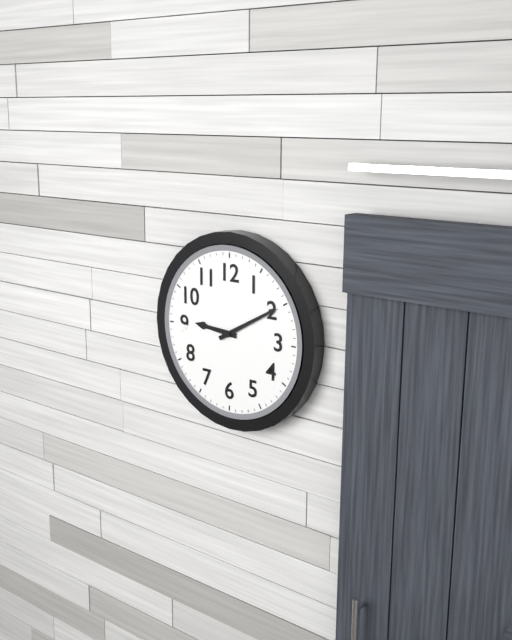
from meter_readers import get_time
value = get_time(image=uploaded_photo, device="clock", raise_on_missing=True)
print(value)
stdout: 9:10
